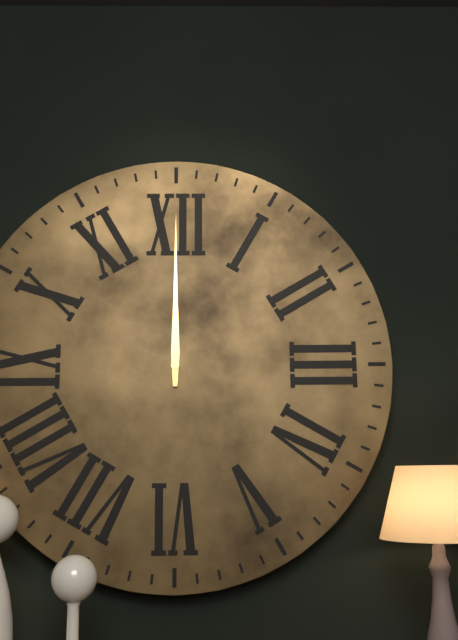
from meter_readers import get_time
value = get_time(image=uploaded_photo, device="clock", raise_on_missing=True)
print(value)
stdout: 12:00
